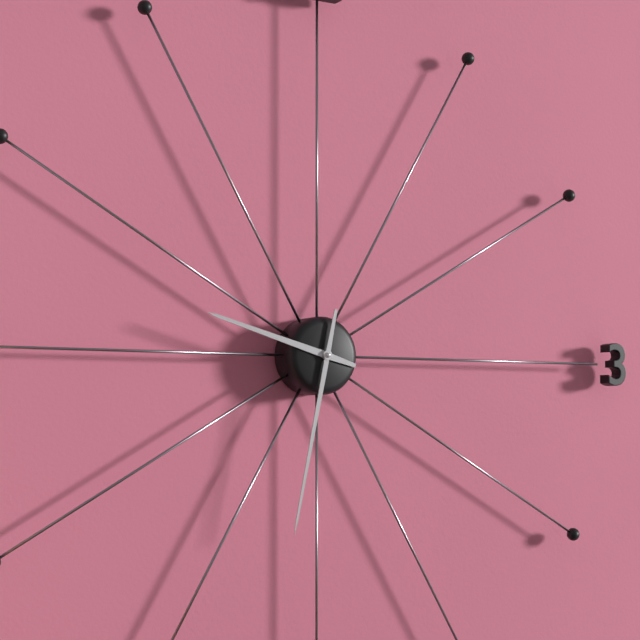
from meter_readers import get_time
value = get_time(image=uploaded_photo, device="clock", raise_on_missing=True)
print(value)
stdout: 9:32
